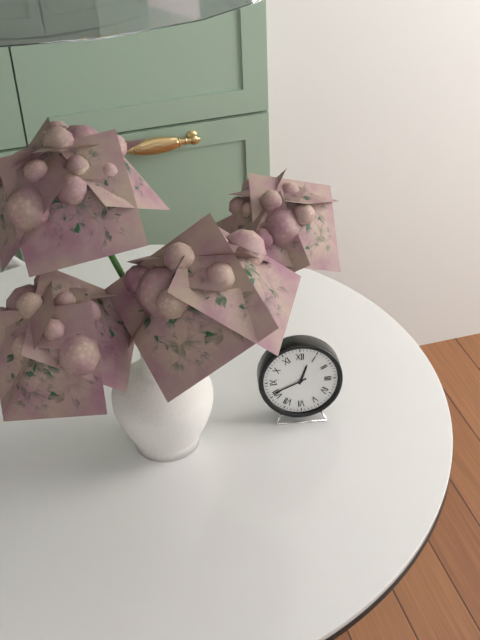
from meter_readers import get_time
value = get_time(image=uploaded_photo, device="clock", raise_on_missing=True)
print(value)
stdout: 12:41
